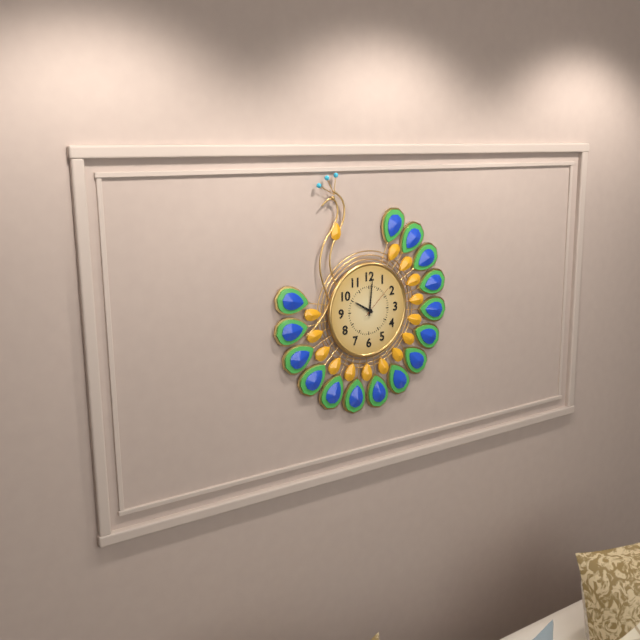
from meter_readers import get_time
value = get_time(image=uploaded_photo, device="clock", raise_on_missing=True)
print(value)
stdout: 10:01
